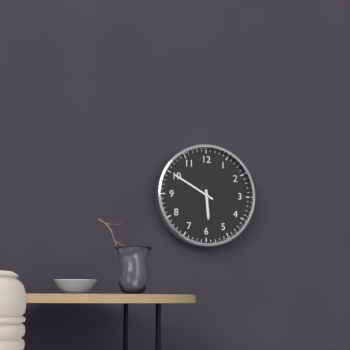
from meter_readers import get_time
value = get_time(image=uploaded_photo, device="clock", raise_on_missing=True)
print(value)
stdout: 5:50
